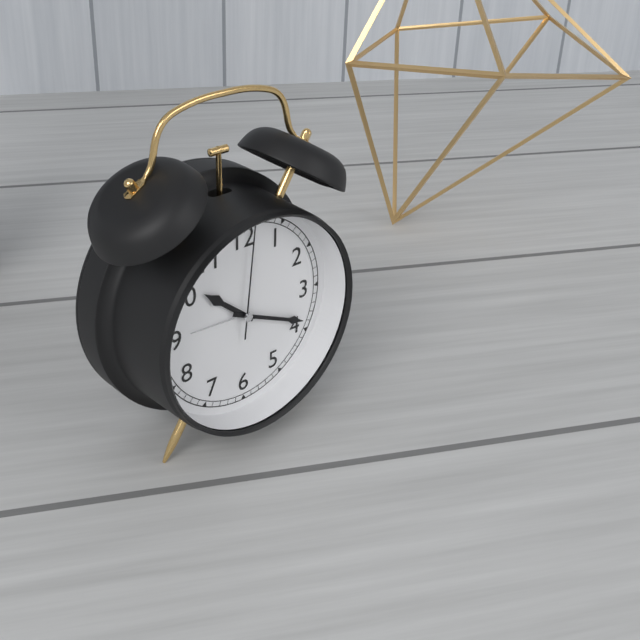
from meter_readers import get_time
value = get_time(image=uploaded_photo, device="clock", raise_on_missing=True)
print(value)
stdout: 10:19:01
